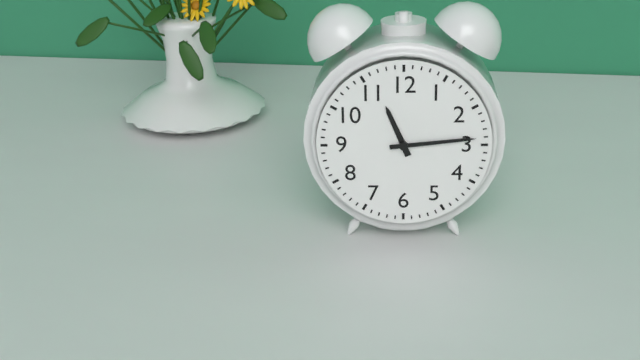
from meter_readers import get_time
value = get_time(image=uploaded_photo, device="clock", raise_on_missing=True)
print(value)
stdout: 11:14
